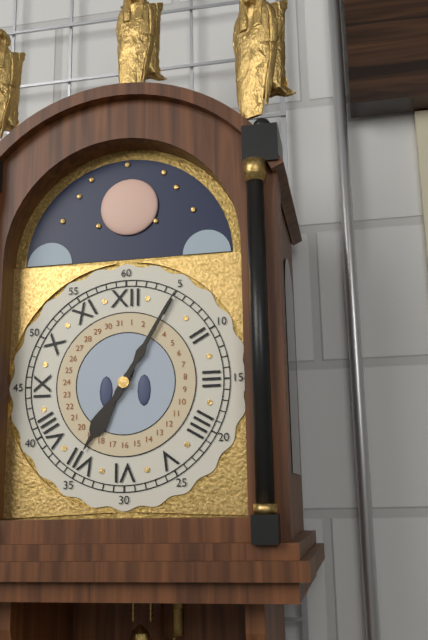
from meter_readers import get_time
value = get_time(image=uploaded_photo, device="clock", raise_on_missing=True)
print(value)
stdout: 7:05
